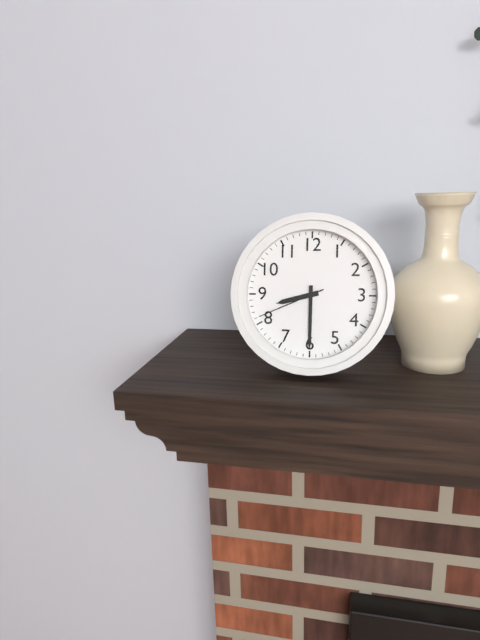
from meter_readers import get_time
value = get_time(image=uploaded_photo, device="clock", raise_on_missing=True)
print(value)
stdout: 8:30:41
